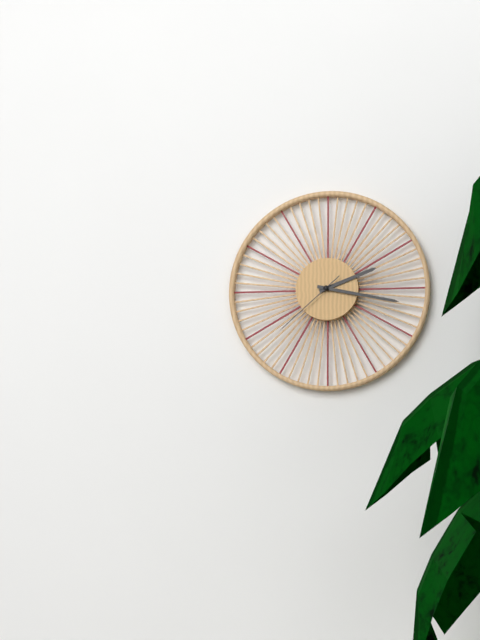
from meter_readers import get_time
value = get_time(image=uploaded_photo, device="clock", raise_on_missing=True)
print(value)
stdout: 2:17:38
